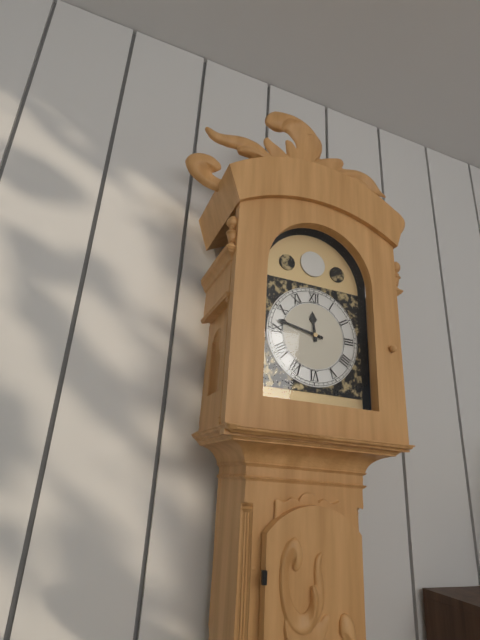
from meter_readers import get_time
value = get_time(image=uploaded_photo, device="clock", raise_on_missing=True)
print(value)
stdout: 11:47
